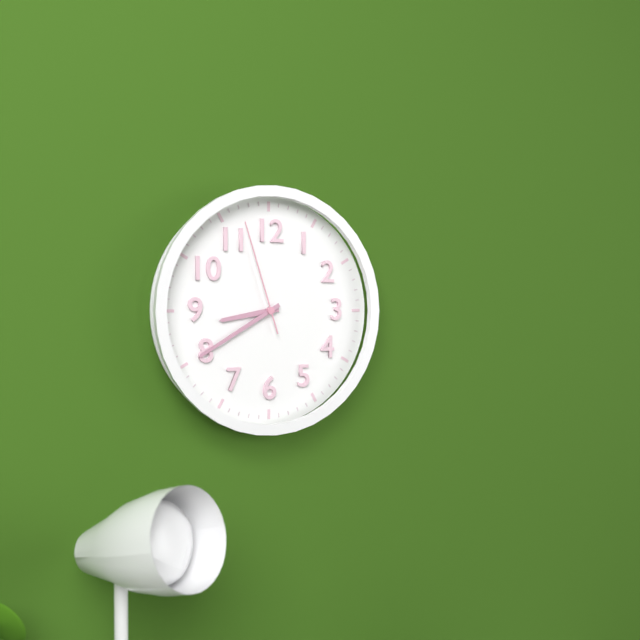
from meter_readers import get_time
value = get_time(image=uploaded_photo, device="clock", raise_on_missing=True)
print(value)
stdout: 8:40:57
